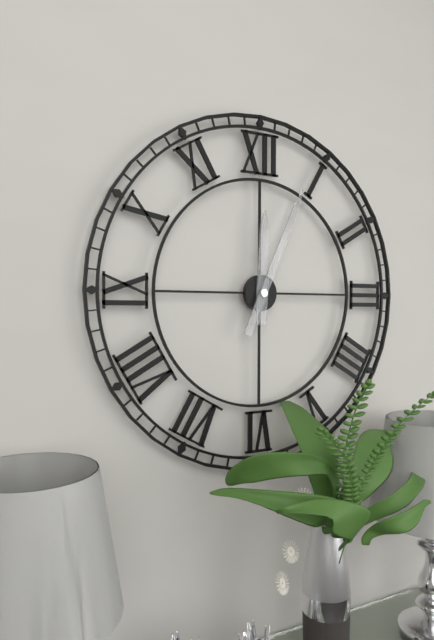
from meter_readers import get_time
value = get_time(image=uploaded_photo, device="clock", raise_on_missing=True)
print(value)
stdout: 12:04
